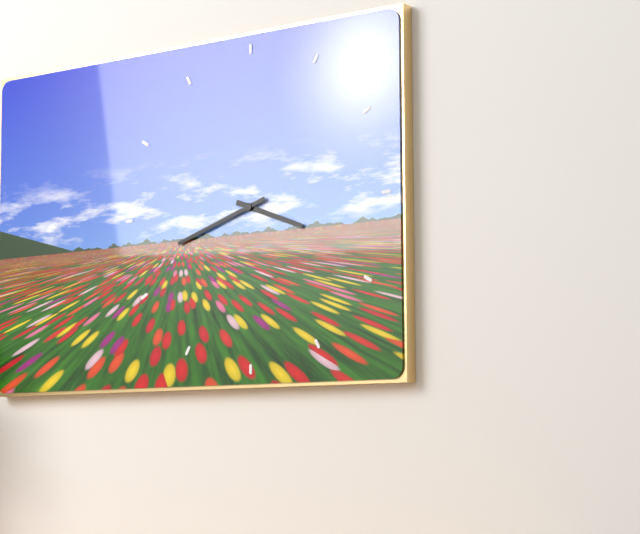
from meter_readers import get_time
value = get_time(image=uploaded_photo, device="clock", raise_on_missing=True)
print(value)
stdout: 3:42
